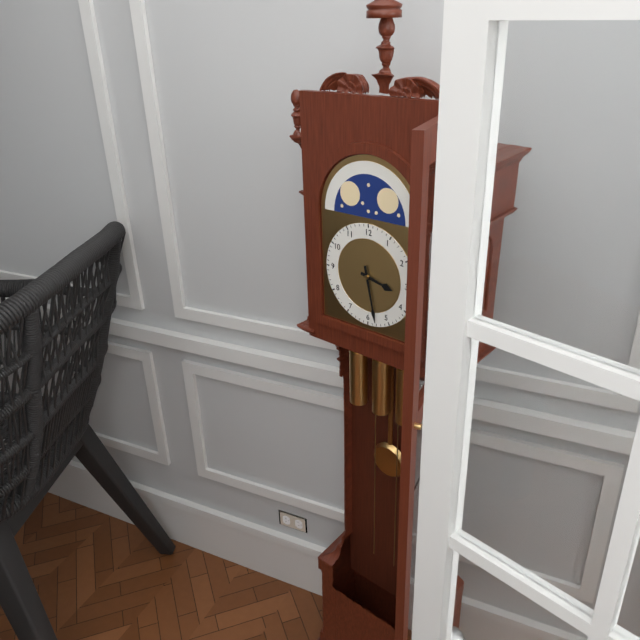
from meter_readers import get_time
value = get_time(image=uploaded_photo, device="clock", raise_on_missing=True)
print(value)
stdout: 3:28
